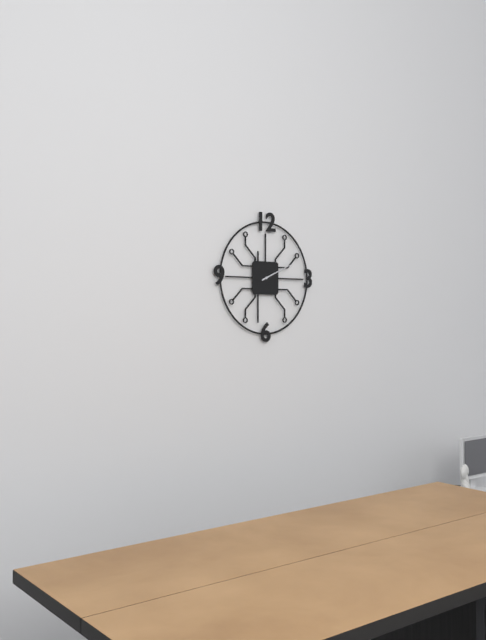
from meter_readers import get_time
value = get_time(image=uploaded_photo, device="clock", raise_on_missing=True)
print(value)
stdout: 2:11
